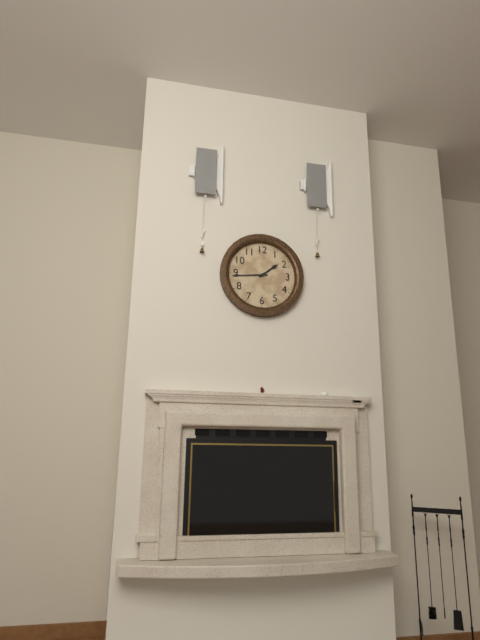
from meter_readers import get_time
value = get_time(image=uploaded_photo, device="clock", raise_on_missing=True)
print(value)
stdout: 1:44
